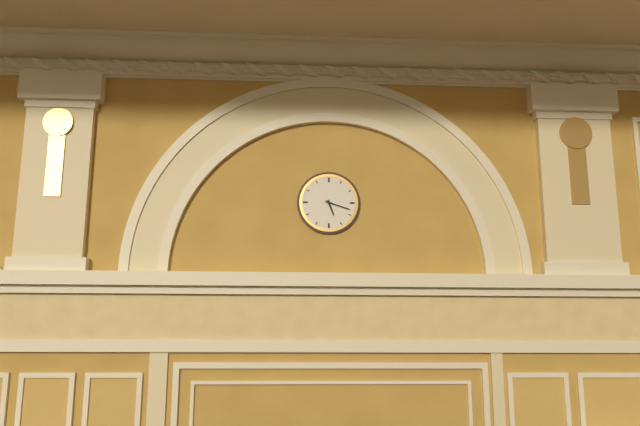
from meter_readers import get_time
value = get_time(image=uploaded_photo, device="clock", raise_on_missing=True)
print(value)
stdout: 5:18
